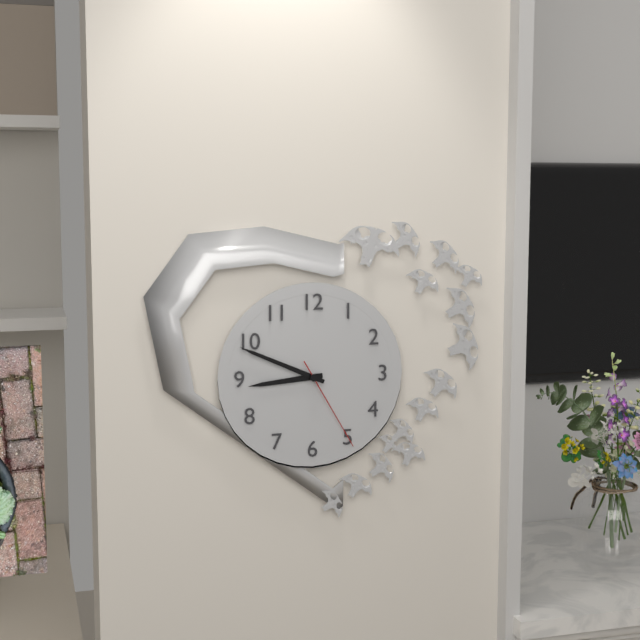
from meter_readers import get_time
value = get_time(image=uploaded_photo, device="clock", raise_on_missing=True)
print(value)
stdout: 8:49:25
